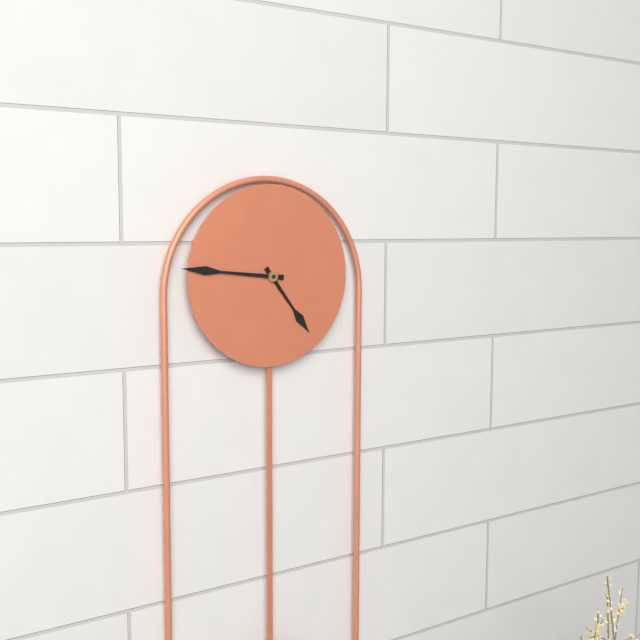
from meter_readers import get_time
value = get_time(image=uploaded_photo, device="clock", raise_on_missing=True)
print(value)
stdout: 4:46
